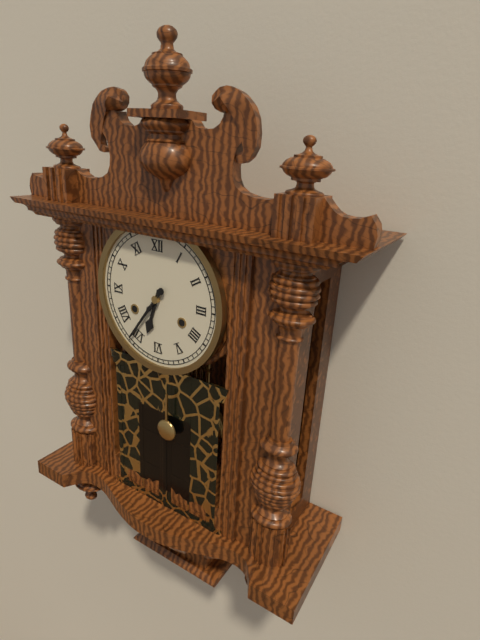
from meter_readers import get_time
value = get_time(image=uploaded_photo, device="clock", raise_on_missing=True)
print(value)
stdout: 6:36
